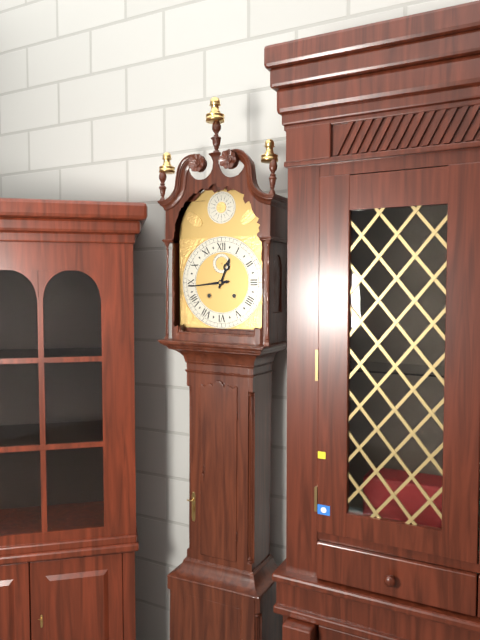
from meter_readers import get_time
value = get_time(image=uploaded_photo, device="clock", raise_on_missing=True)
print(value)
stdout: 12:44
